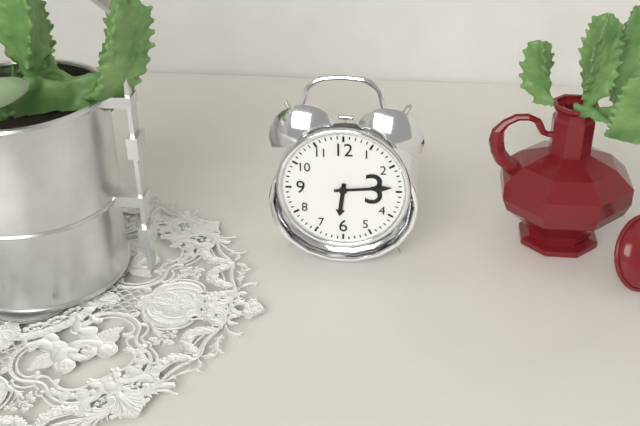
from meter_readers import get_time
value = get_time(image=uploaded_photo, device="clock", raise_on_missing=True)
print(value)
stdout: 6:14
